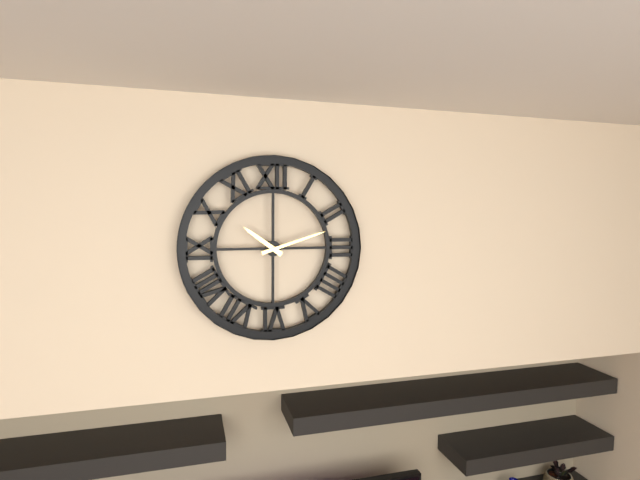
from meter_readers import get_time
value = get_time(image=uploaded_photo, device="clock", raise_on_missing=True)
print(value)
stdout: 10:12
